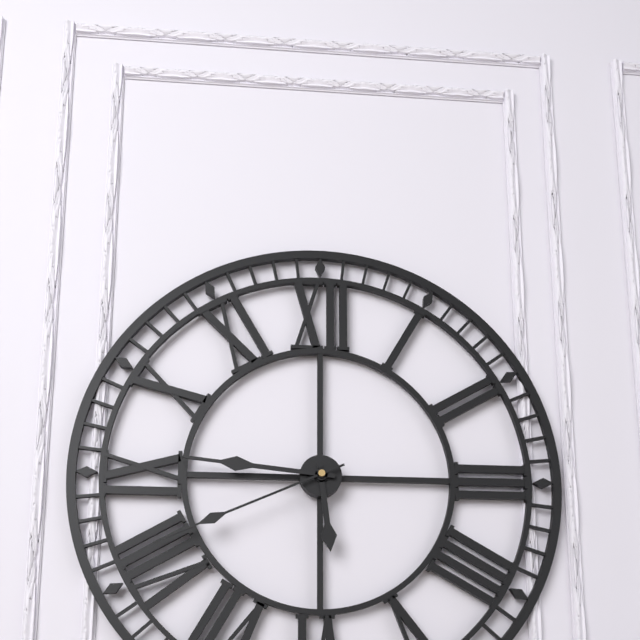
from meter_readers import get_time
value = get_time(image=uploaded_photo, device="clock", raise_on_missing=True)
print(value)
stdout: 5:46:41
